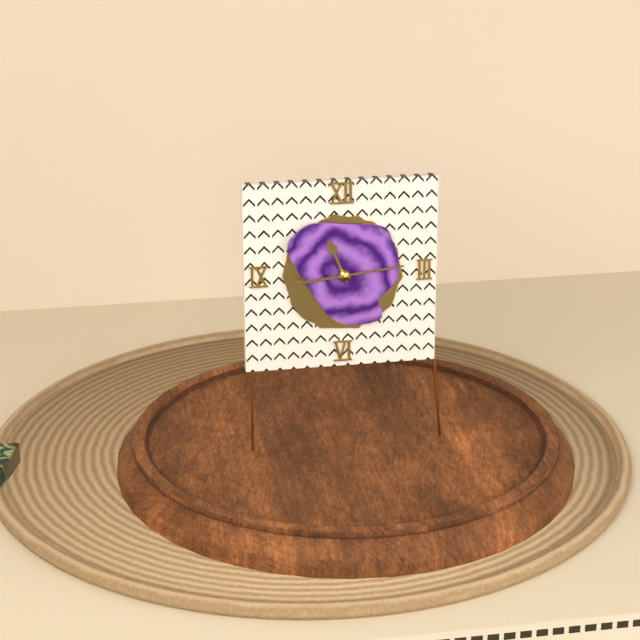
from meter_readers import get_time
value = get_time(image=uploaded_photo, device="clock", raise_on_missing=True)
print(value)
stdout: 11:14
